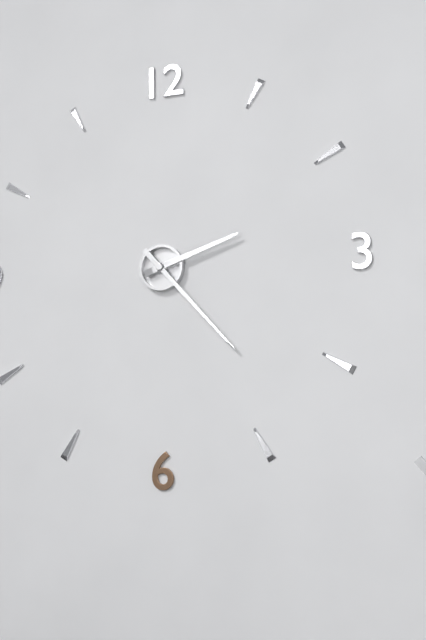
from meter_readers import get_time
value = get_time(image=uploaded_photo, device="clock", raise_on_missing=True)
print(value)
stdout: 2:23
